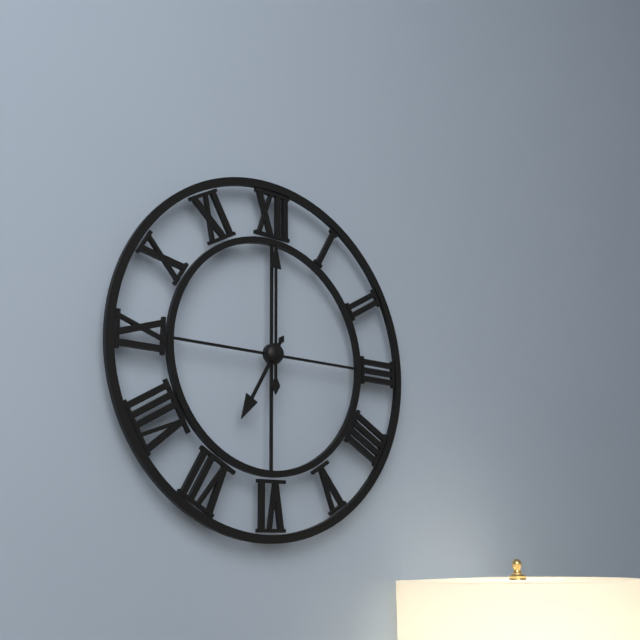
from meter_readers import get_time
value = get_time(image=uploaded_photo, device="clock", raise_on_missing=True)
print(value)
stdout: 7:00
